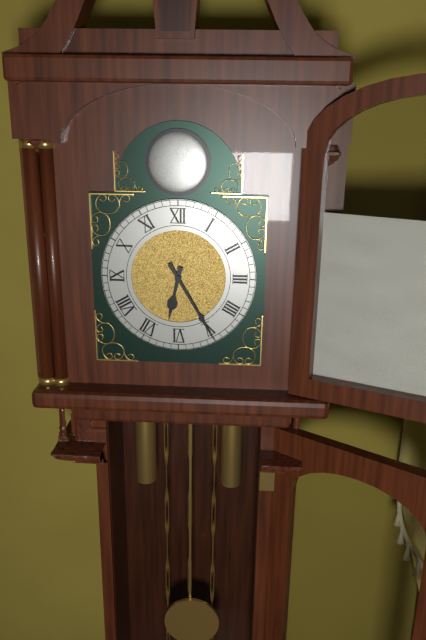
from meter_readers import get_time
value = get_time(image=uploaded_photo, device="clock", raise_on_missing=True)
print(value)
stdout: 6:25
